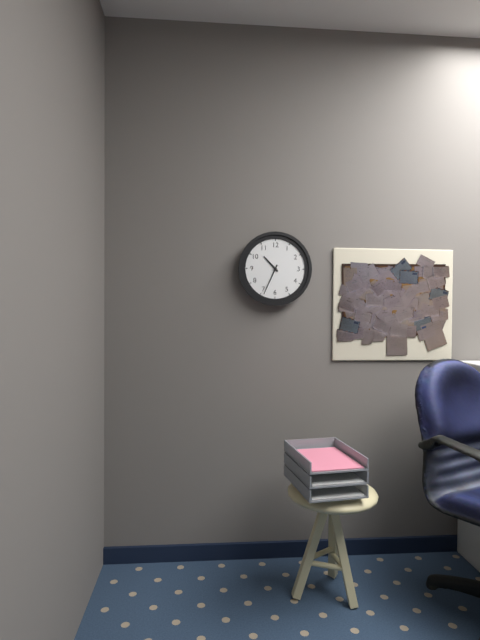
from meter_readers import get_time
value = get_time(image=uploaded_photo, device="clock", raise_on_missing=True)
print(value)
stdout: 10:34
